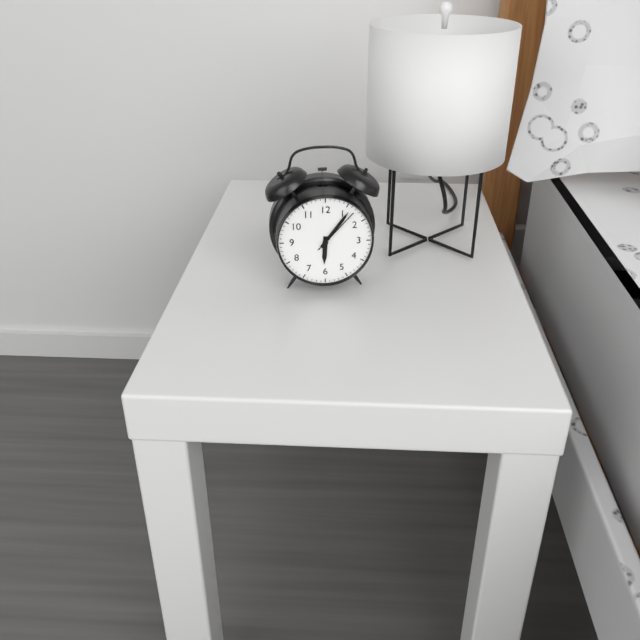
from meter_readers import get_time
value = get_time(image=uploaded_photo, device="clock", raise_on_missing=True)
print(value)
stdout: 6:06:07
